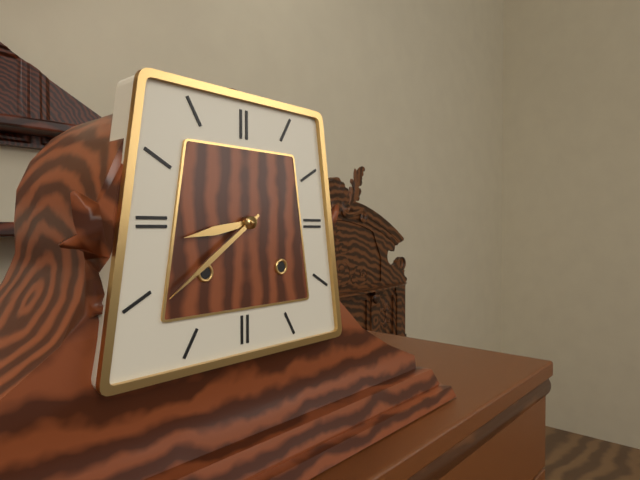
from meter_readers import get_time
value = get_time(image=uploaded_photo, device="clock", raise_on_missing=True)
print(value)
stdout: 8:39
